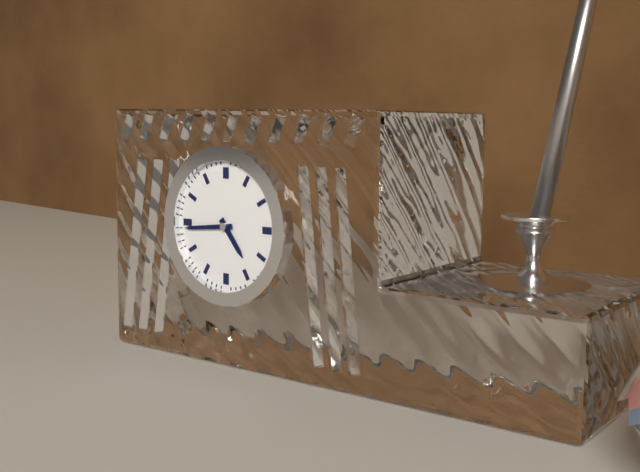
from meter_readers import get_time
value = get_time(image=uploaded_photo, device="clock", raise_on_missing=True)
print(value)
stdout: 4:44
